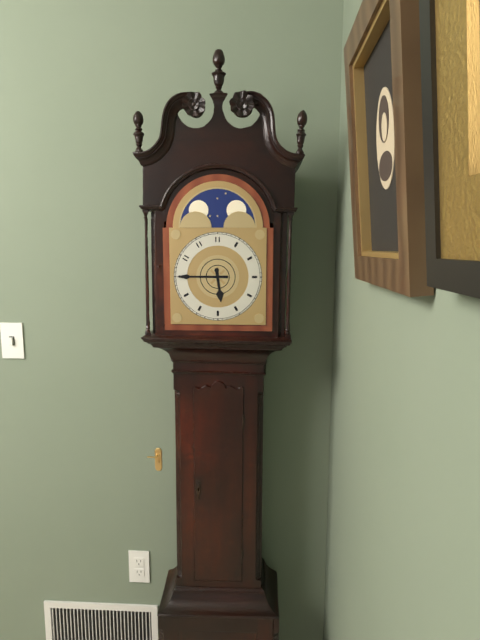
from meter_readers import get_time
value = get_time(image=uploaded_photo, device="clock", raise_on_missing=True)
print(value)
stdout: 5:45
